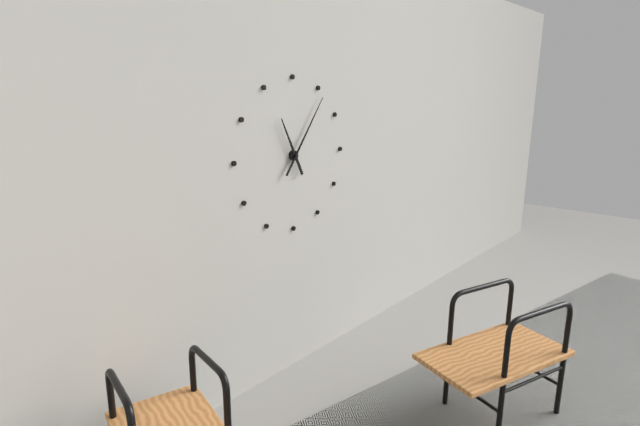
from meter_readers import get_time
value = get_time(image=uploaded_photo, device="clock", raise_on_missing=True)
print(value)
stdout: 11:06
